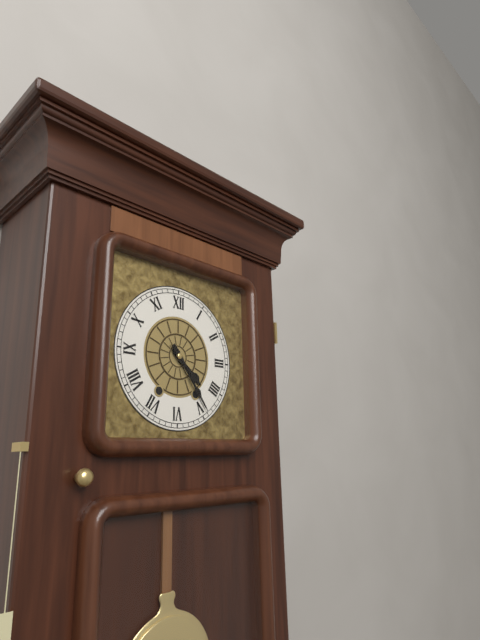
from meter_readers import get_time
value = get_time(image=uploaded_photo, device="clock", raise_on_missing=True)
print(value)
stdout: 4:24
